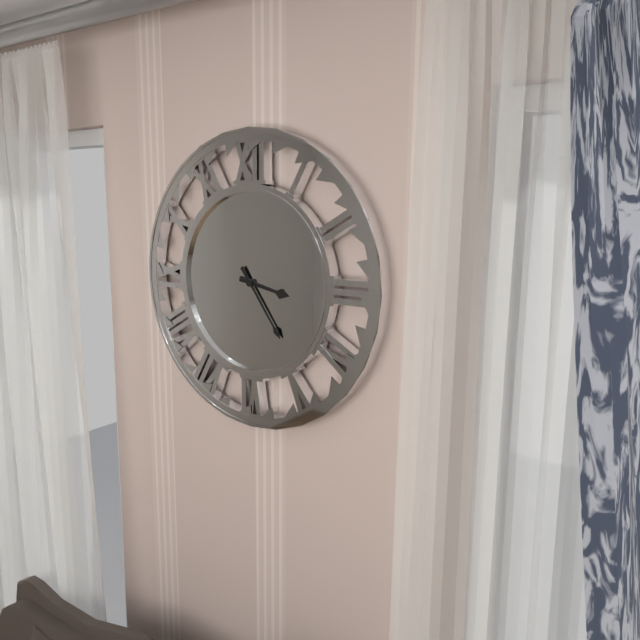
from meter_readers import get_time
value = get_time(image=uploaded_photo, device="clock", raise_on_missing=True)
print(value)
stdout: 3:24
